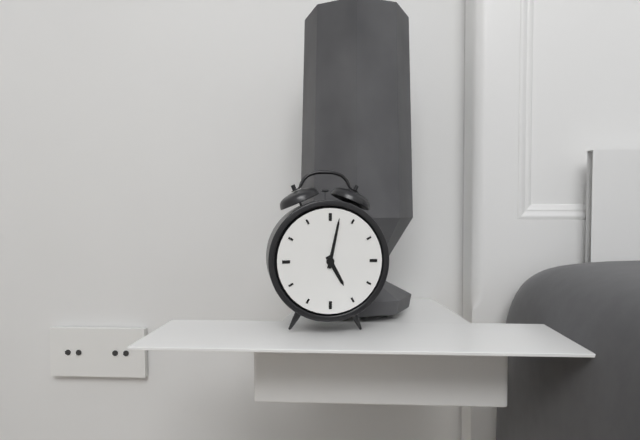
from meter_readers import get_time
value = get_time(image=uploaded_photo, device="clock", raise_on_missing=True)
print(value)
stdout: 5:02
